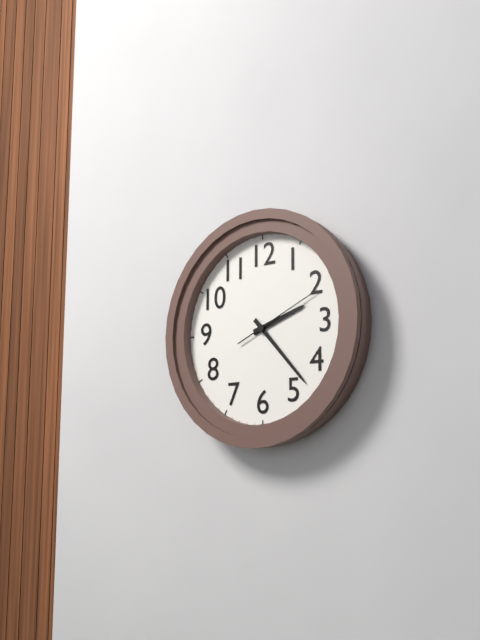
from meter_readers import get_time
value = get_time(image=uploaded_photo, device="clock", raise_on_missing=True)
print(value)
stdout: 2:23:11
